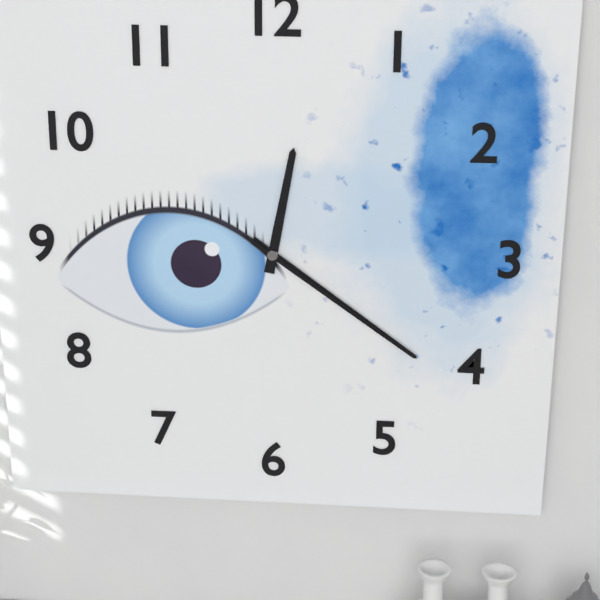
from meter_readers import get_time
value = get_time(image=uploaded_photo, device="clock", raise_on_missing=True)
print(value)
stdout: 12:21:21
